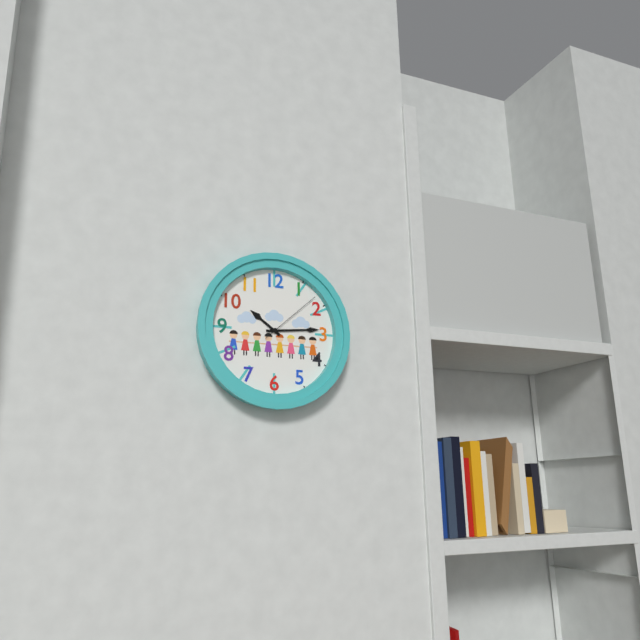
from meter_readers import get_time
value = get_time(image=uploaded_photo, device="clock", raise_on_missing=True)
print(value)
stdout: 10:14:08
